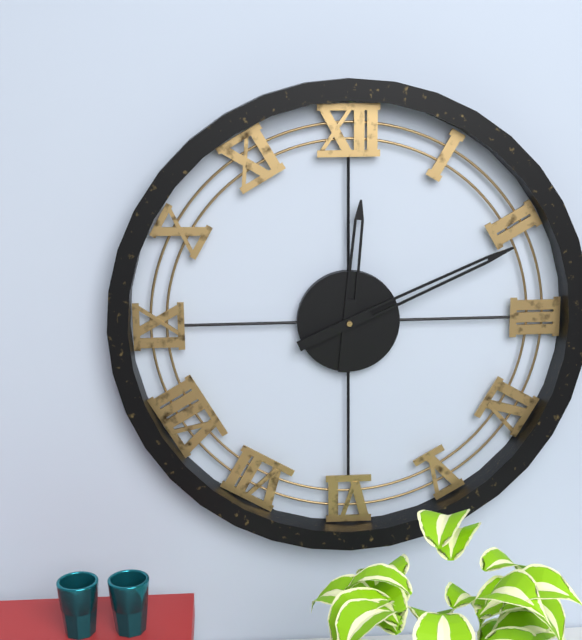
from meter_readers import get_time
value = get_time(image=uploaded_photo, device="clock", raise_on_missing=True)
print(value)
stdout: 12:11
